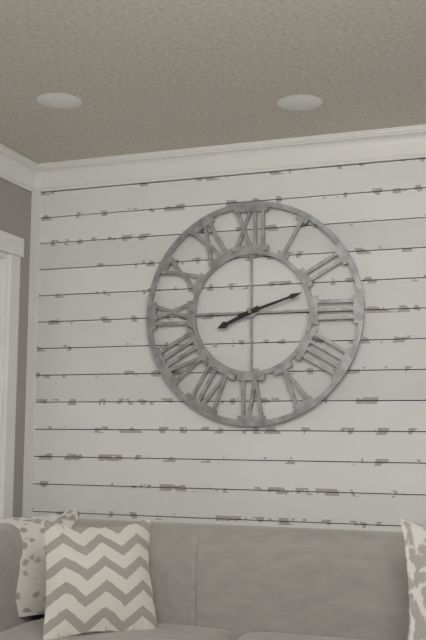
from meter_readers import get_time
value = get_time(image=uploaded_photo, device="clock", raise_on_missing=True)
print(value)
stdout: 8:12
